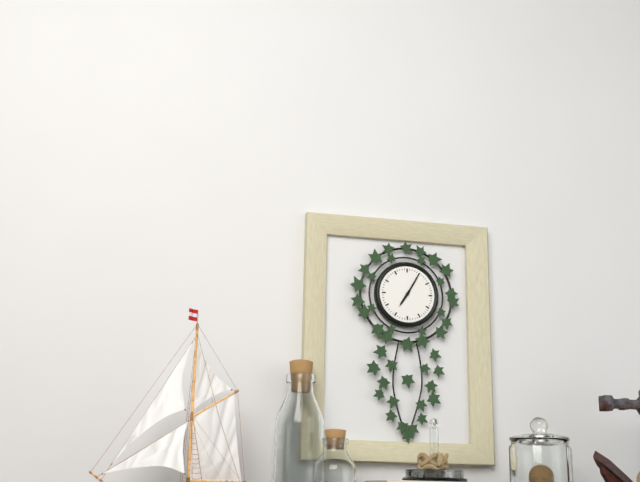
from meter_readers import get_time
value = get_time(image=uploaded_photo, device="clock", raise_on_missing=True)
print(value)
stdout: 7:05
